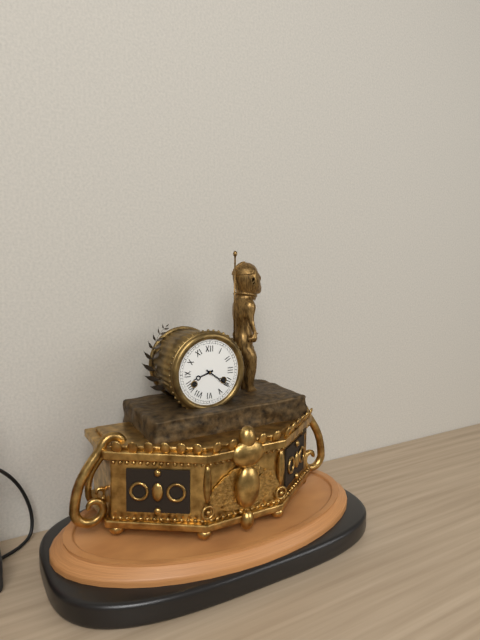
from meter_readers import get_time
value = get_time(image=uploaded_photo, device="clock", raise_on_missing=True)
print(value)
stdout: 8:21
